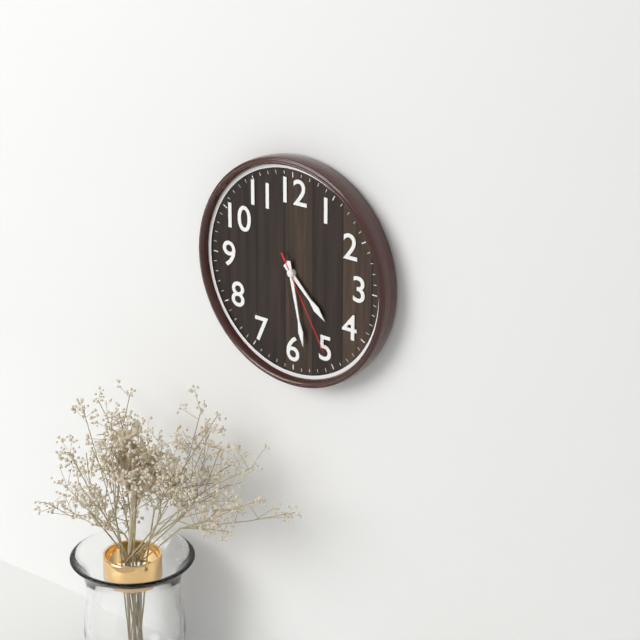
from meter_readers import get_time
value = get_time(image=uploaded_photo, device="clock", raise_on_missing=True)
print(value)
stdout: 4:28:25
